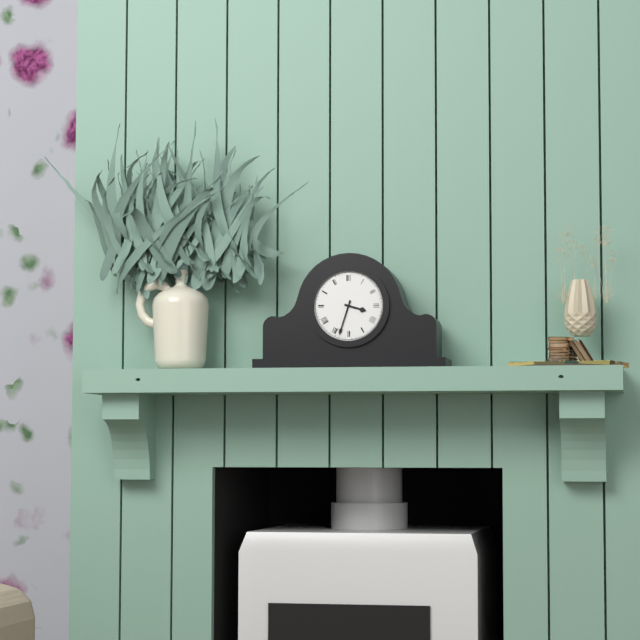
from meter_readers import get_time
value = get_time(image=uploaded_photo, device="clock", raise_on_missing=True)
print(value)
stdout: 3:33
